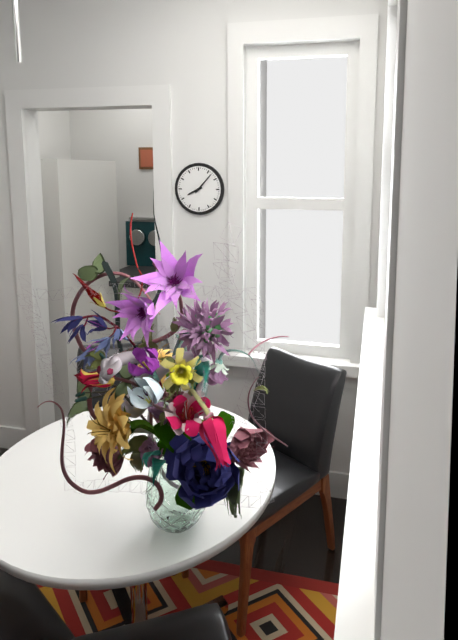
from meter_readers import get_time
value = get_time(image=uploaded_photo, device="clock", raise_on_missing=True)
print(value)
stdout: 8:07
